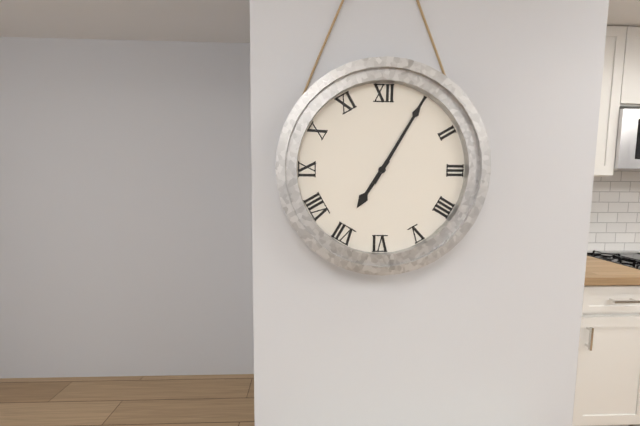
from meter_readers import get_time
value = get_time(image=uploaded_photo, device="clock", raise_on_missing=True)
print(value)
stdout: 7:05
